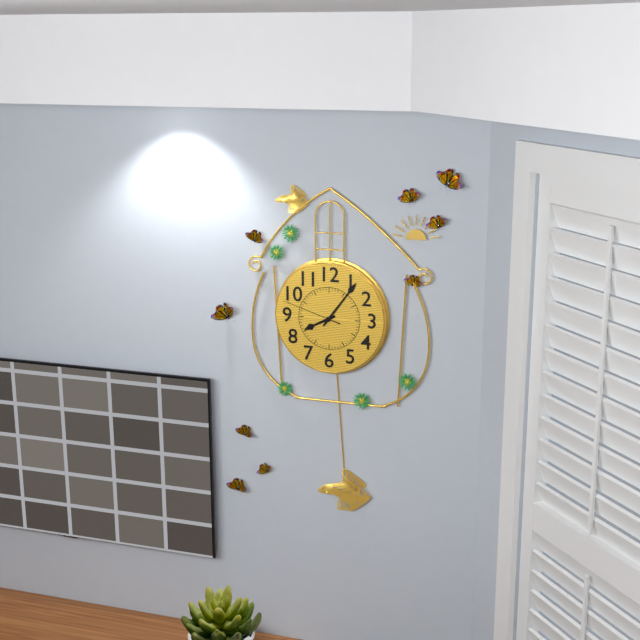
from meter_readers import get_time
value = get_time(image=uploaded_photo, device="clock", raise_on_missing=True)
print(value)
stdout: 8:06:48
